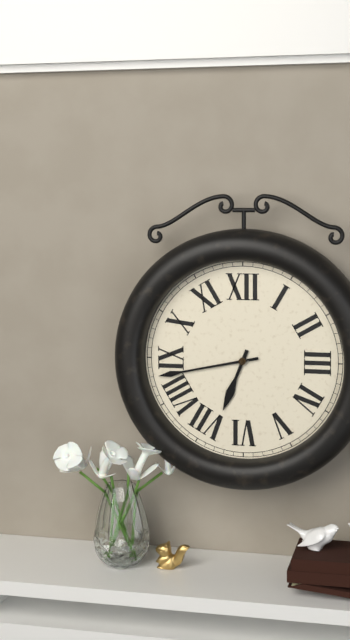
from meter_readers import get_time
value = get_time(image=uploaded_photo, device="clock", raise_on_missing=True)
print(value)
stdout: 6:43
